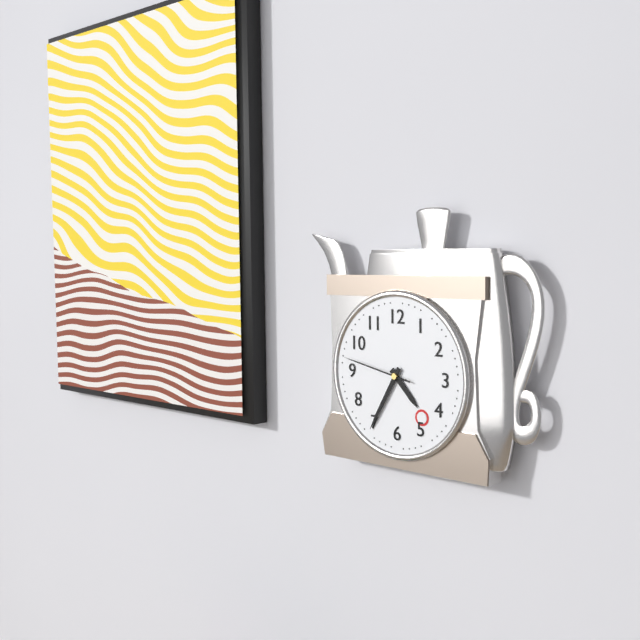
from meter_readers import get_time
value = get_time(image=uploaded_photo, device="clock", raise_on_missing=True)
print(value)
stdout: 4:35:47
